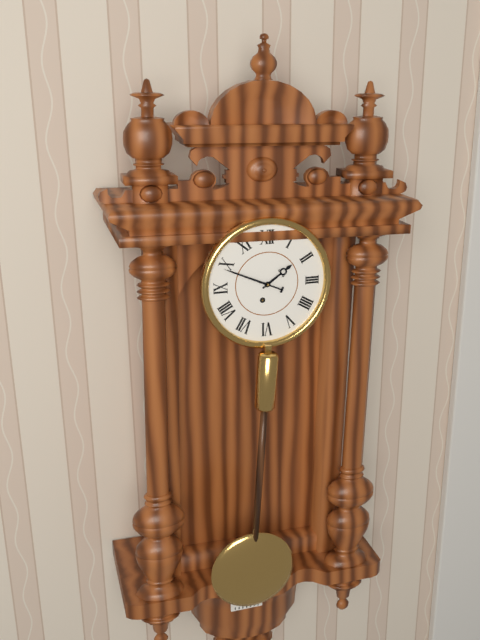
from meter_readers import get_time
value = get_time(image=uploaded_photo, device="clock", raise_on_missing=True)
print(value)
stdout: 1:49
